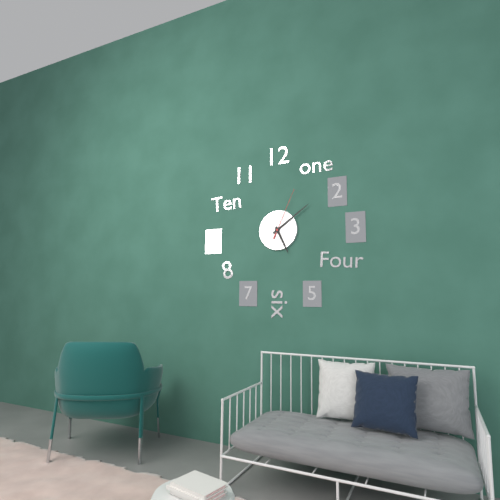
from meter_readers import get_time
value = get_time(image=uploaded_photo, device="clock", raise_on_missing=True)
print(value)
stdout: 5:09:04
